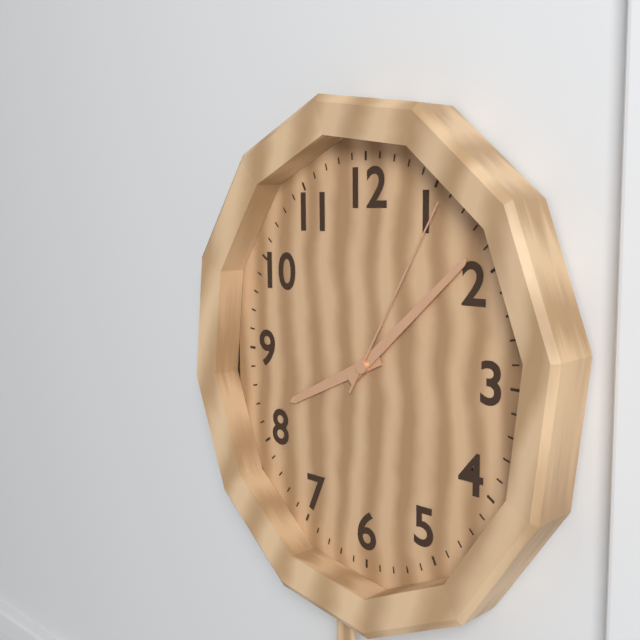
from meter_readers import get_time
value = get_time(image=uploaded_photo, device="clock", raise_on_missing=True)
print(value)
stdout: 8:08:05
